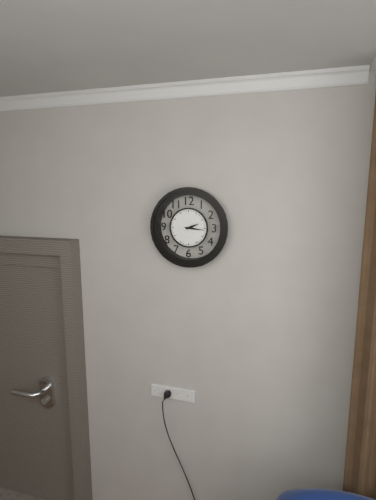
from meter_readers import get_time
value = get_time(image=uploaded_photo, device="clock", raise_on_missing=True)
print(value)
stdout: 2:16
